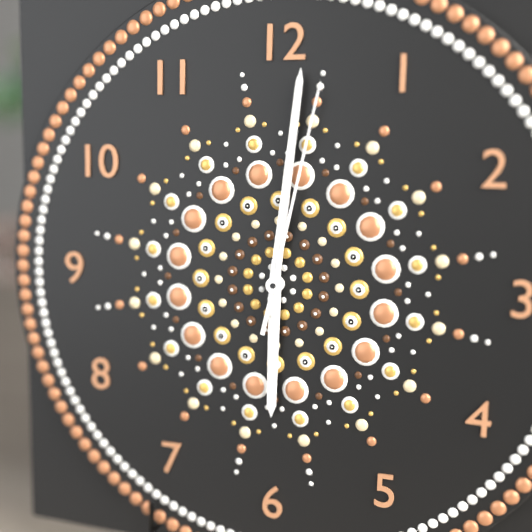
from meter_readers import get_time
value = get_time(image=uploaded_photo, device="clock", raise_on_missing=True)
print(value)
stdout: 6:01:02
